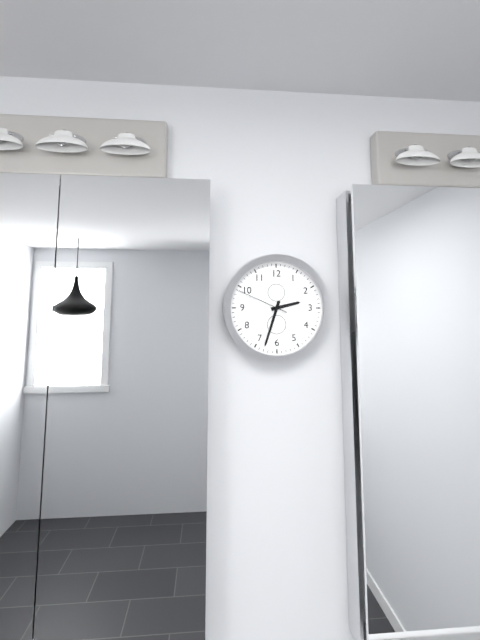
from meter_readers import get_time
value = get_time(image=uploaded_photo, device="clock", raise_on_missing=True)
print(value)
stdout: 2:33:49
